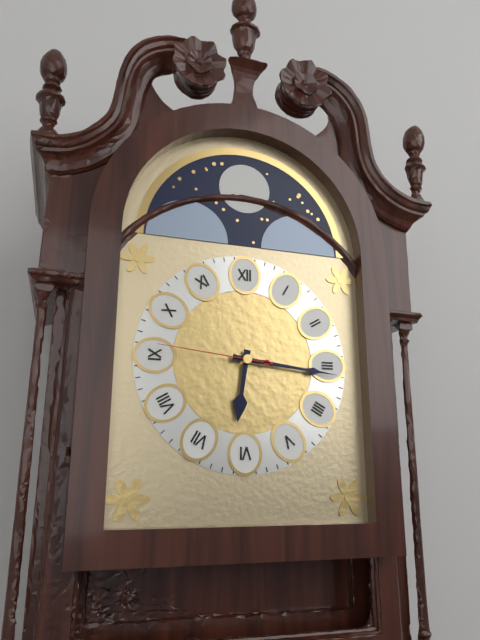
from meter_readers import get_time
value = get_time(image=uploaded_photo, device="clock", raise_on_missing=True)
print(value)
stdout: 6:16:46
